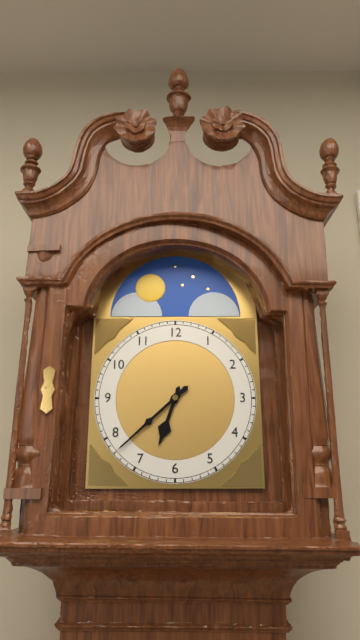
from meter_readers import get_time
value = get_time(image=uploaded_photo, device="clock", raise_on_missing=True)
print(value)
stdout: 6:38
